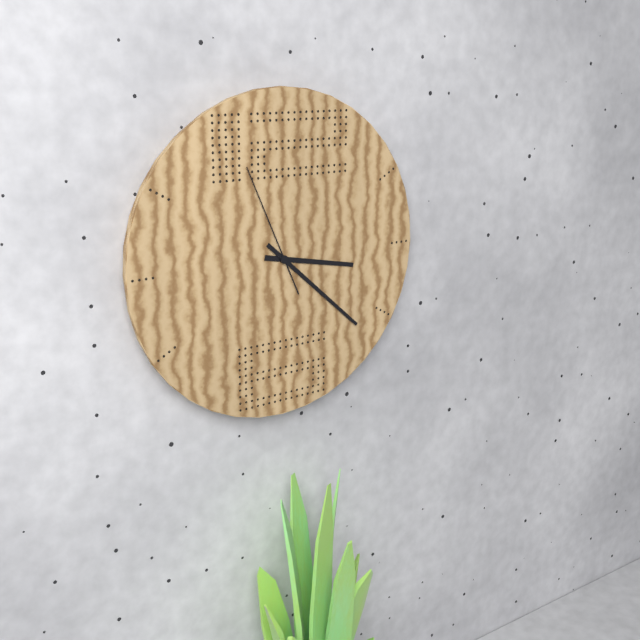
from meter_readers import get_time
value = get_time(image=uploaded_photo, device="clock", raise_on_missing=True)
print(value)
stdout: 3:22:56
